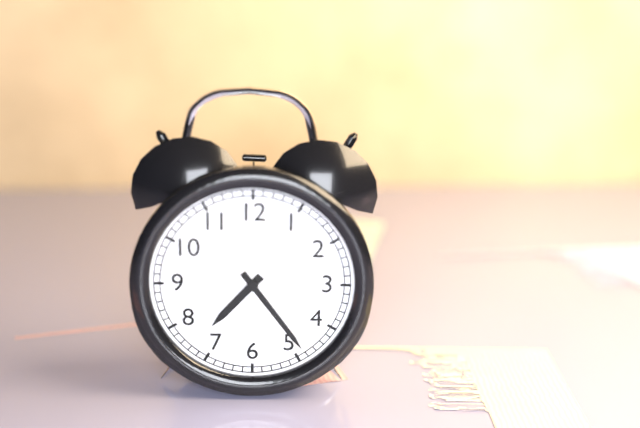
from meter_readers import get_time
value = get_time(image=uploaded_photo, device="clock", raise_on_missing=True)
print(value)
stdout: 7:24
